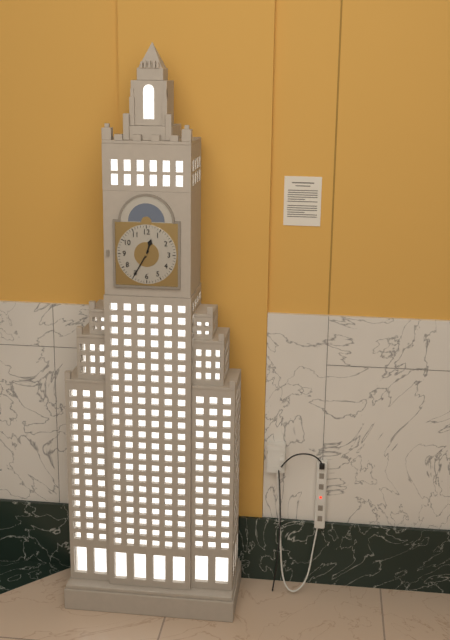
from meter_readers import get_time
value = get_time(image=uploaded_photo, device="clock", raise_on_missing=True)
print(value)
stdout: 12:35
